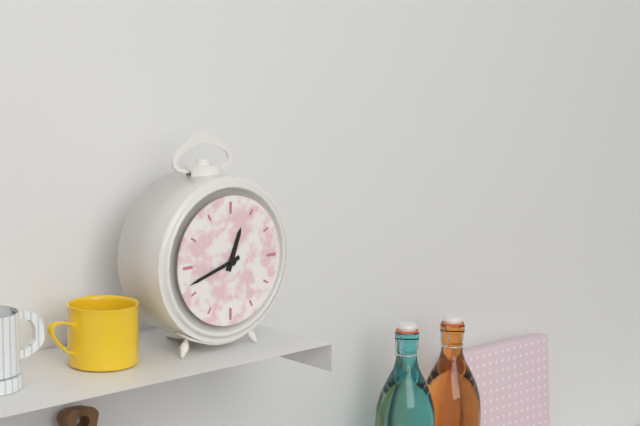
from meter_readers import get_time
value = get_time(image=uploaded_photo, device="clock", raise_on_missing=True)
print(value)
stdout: 12:42
